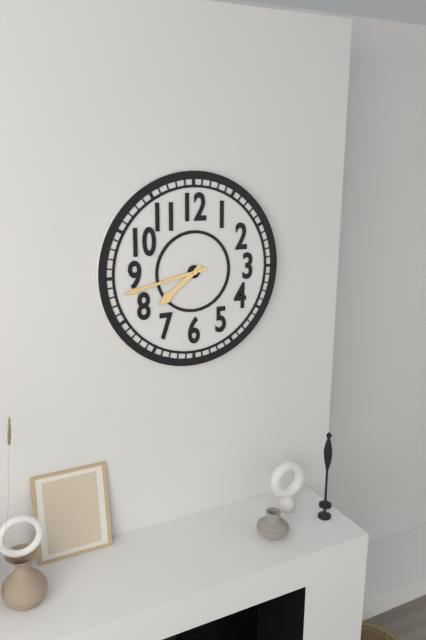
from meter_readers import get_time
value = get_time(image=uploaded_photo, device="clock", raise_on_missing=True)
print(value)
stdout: 7:43
